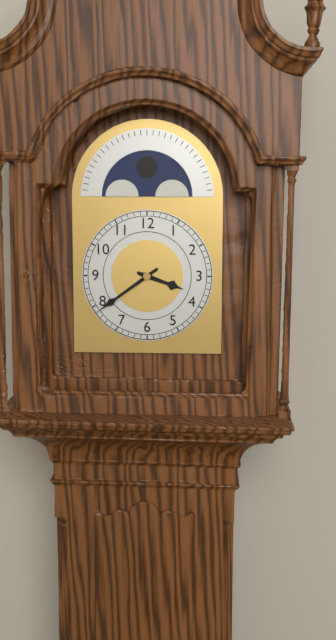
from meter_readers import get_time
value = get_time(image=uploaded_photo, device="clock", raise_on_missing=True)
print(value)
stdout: 3:39
